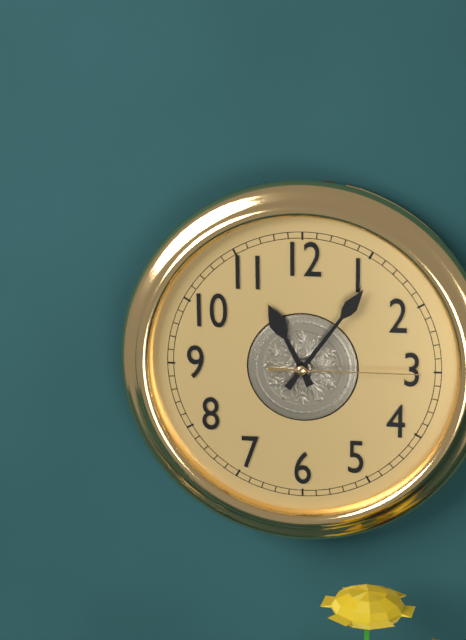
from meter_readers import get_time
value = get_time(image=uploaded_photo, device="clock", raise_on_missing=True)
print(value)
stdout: 11:06:15
